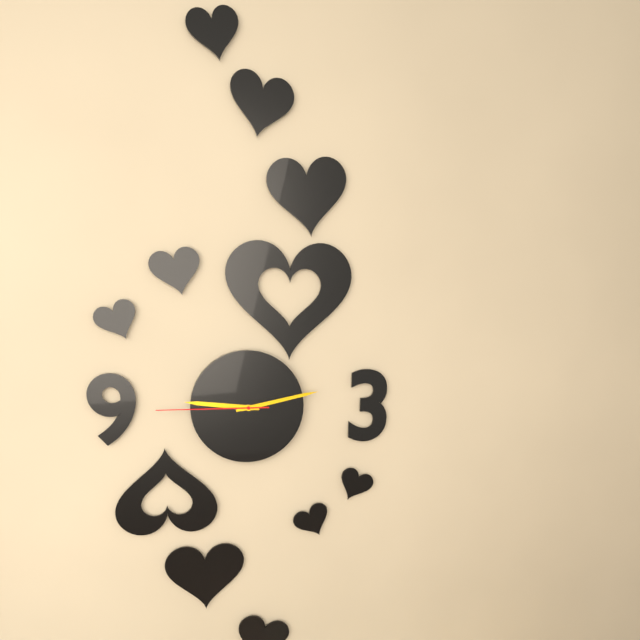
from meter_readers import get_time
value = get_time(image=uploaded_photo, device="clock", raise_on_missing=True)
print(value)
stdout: 9:13:45
